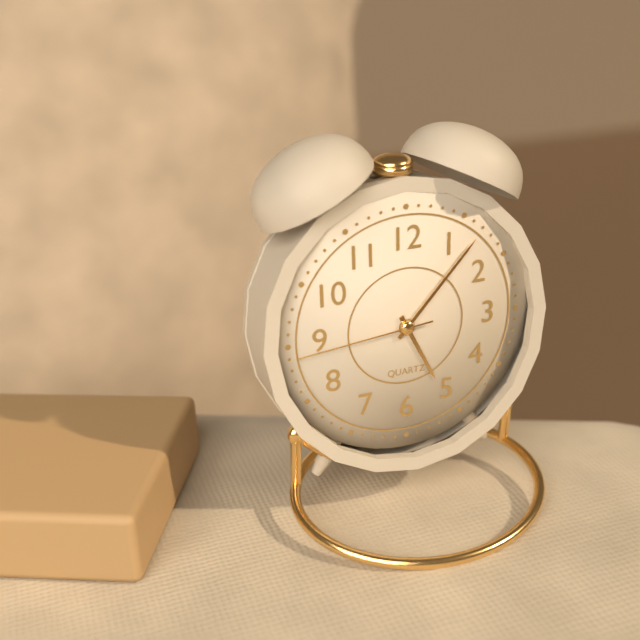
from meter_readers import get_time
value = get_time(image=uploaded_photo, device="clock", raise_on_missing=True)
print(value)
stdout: 5:07:44
